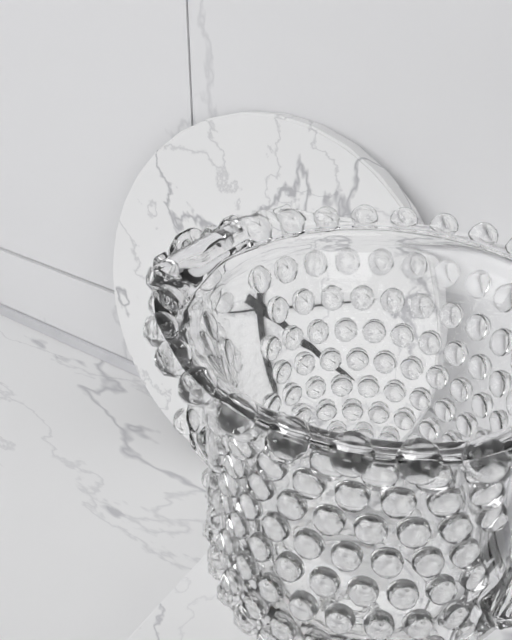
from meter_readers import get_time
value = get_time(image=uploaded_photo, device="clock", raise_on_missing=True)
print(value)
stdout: 3:28:11
